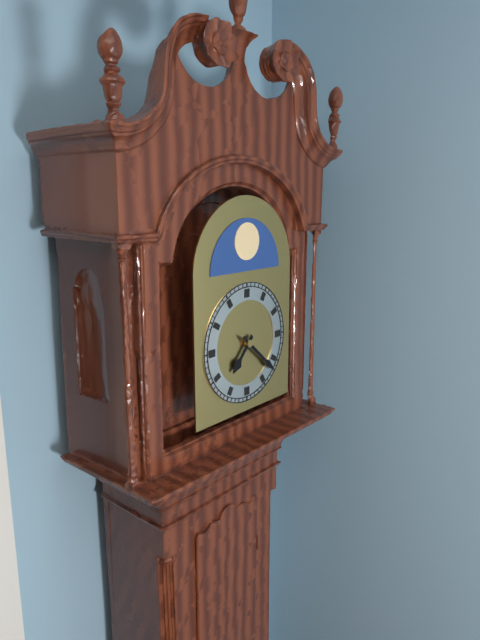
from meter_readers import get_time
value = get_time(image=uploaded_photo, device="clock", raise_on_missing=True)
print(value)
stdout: 7:22
